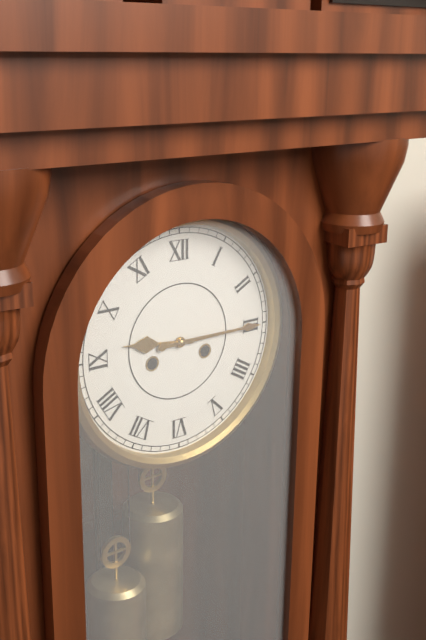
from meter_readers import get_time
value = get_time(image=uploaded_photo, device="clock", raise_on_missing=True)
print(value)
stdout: 9:15
